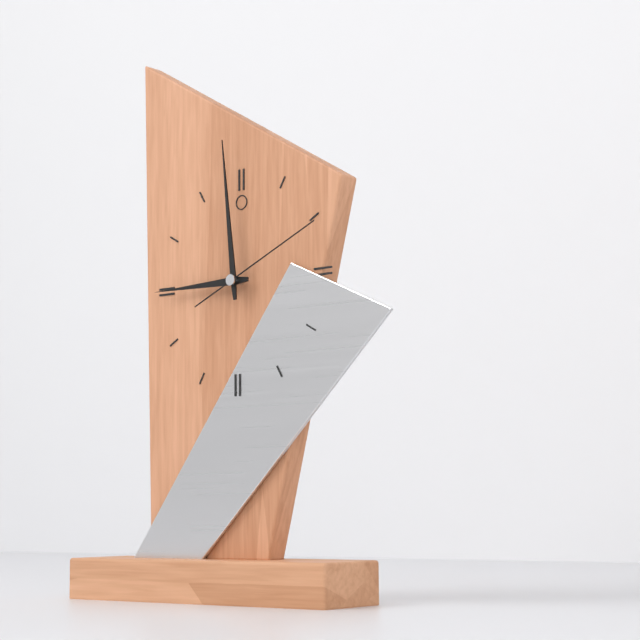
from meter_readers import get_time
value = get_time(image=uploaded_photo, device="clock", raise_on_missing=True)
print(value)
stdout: 8:59:11
